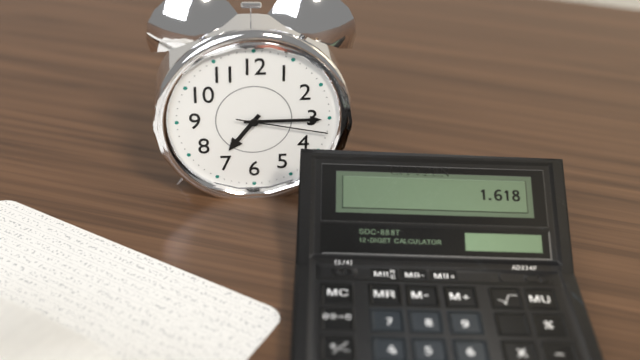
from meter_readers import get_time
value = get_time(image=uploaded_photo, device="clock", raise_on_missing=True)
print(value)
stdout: 7:15:17
